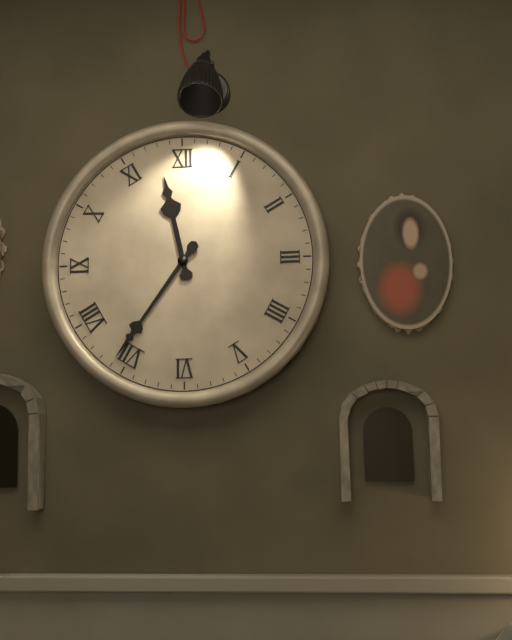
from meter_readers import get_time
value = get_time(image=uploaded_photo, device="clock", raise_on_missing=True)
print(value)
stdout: 11:36
